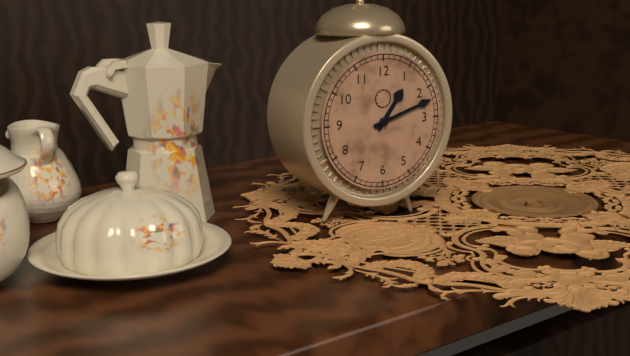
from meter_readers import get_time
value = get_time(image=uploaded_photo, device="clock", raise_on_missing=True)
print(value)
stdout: 1:12
